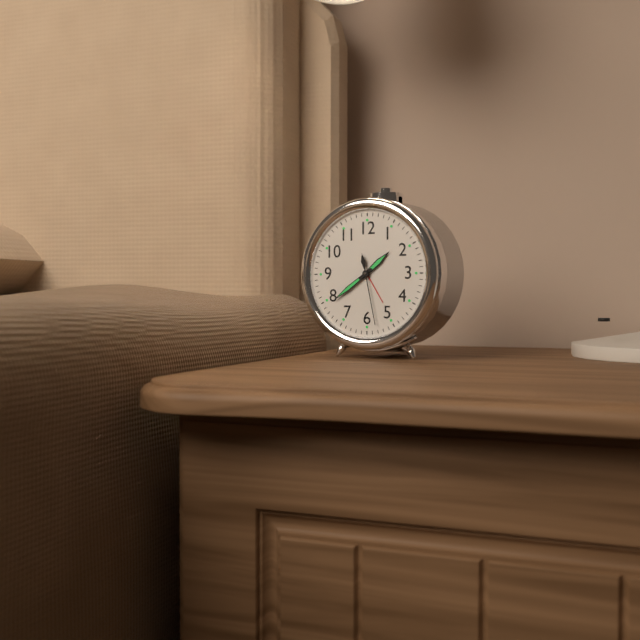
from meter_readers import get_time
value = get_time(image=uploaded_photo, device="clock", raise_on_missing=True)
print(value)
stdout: 1:39:28
